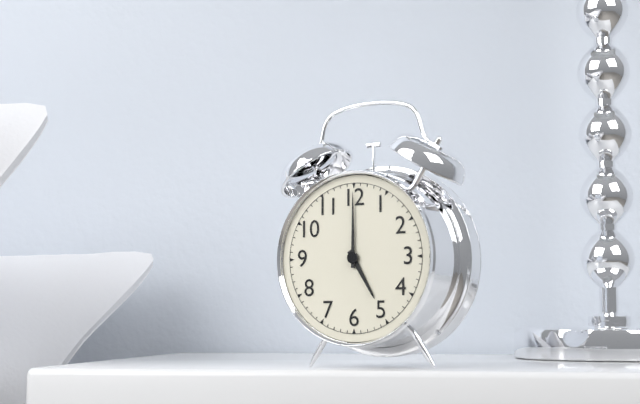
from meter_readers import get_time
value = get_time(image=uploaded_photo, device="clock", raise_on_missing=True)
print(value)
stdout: 5:00
